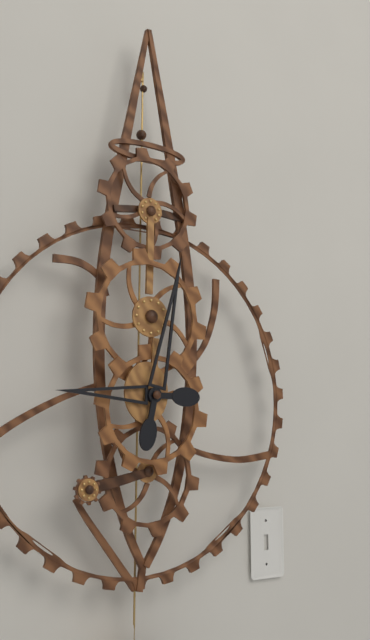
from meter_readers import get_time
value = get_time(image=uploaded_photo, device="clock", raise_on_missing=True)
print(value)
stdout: 9:02
